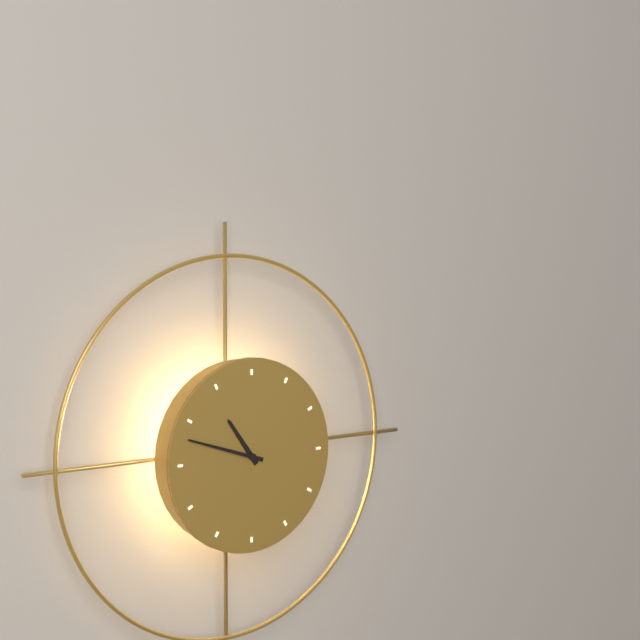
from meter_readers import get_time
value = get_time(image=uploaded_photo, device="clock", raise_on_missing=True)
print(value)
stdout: 10:48
